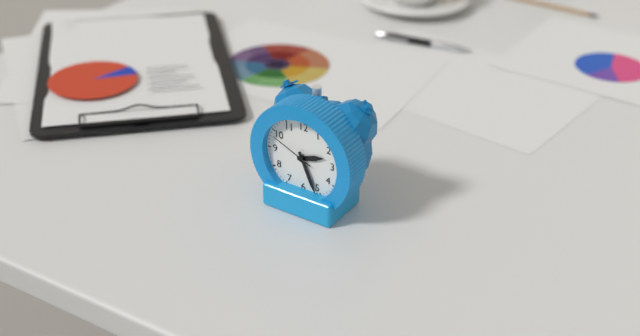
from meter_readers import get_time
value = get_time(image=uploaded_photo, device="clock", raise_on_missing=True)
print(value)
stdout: 2:26
